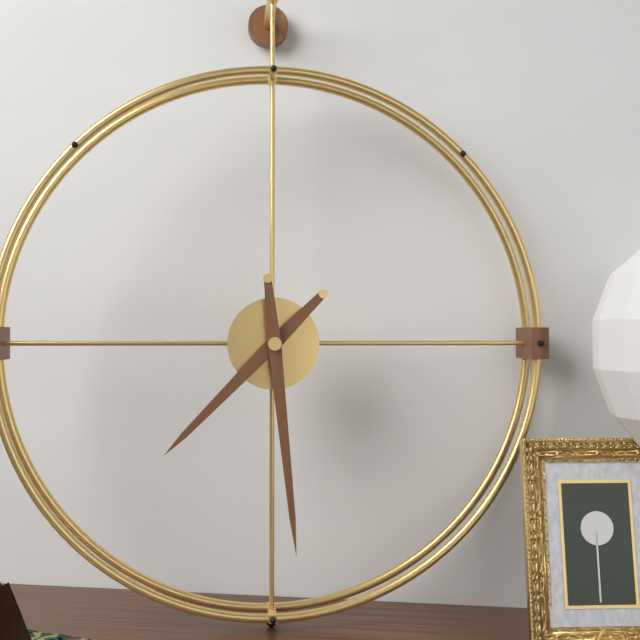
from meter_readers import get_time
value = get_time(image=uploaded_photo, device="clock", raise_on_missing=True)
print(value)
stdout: 7:29
